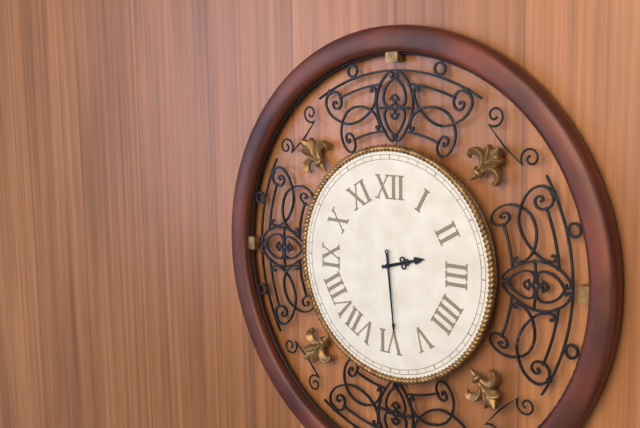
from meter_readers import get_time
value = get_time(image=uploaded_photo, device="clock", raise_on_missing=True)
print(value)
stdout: 2:29
